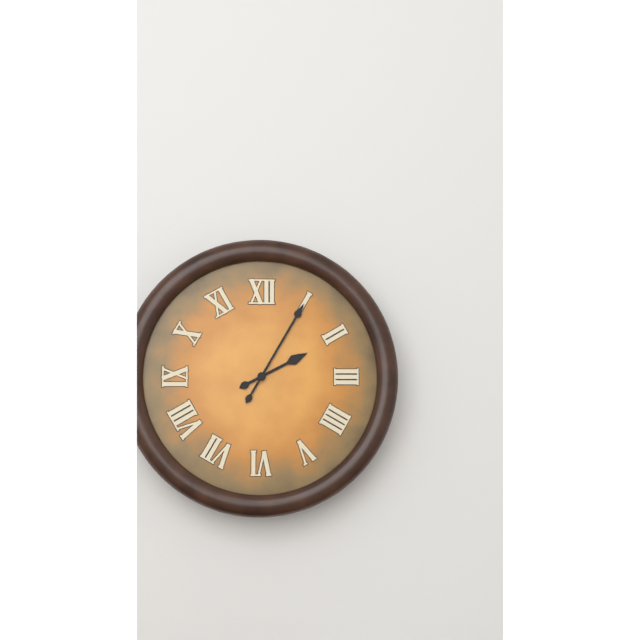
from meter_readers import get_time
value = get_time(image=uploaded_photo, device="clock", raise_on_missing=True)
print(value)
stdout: 2:05
